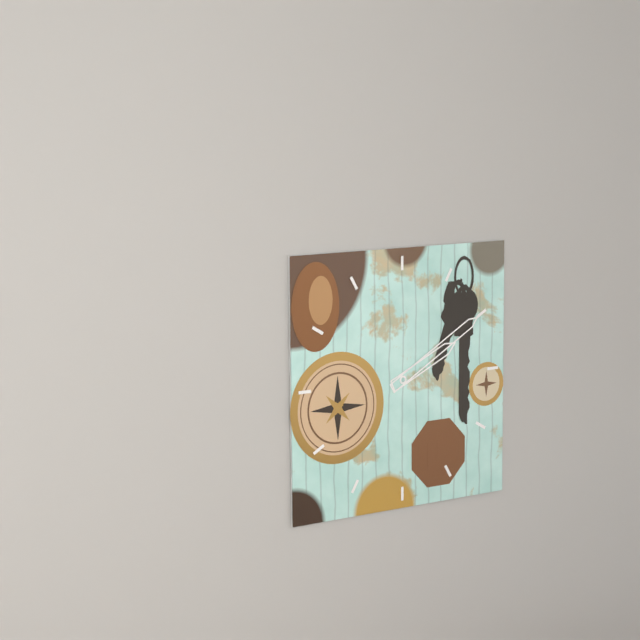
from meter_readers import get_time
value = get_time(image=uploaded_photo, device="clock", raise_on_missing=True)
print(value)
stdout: 2:10
